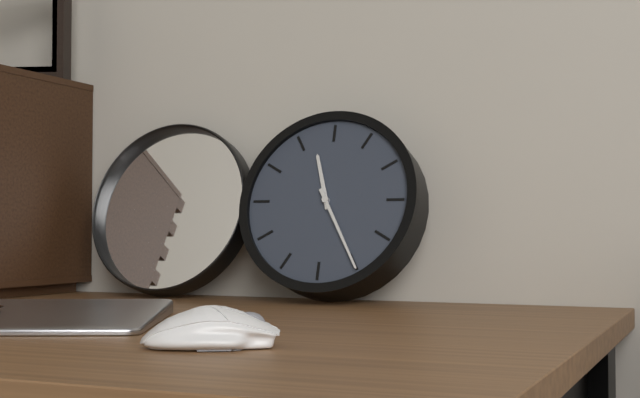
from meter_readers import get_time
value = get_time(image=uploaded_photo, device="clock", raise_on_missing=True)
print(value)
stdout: 11:25
